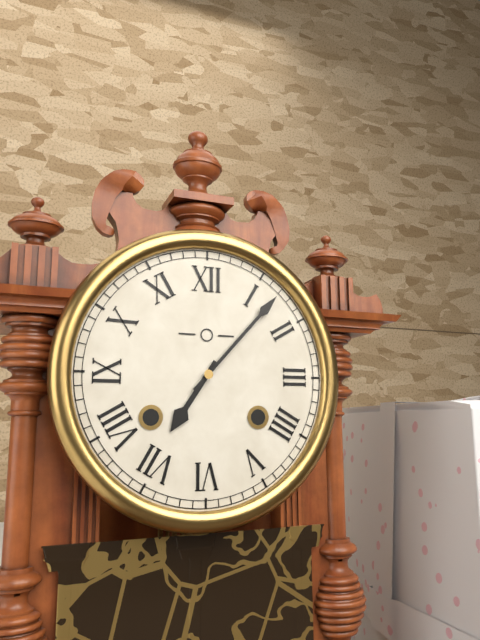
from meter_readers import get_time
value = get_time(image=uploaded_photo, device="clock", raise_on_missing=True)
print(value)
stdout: 7:07
